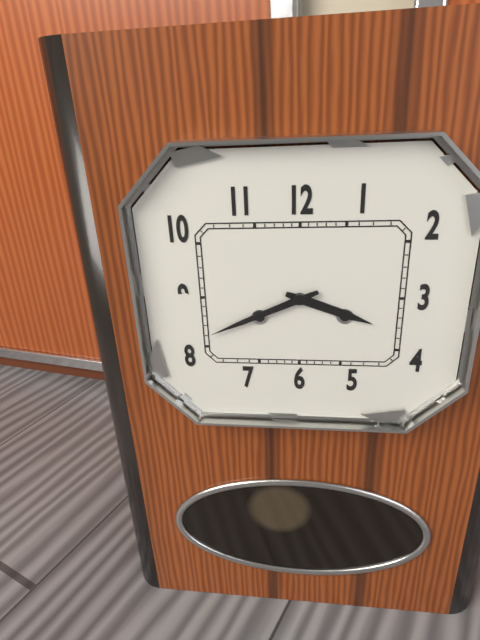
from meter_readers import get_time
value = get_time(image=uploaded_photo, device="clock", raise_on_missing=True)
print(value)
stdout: 3:41
